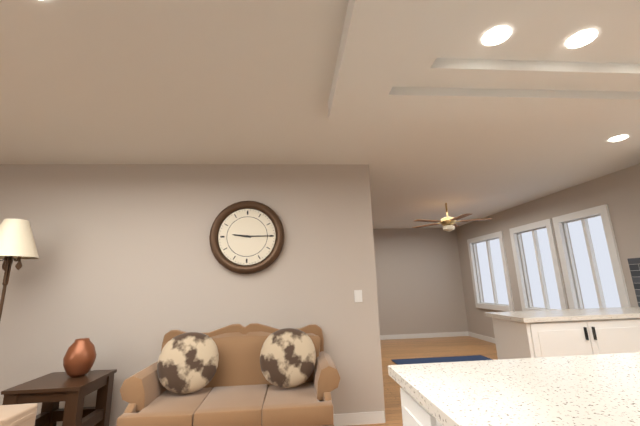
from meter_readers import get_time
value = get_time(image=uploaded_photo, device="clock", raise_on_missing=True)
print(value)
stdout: 9:15
